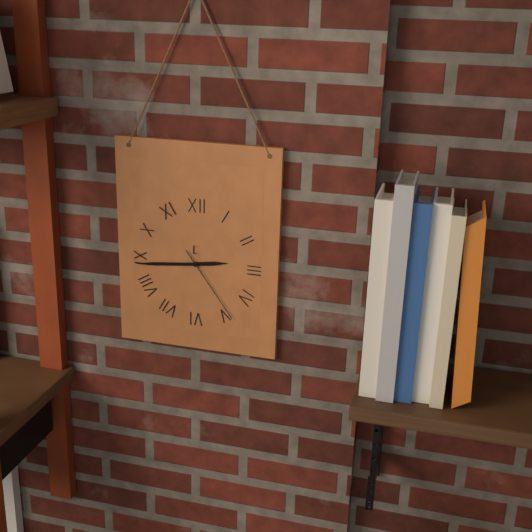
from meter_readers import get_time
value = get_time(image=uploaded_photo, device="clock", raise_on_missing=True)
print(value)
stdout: 2:44:24
